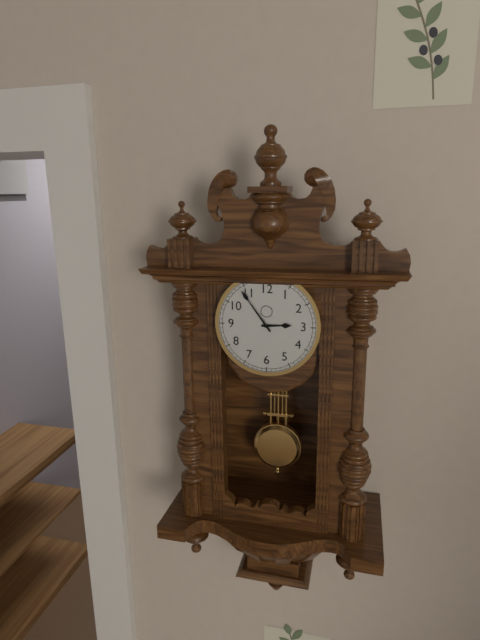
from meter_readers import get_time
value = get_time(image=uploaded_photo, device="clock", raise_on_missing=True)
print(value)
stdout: 2:54
